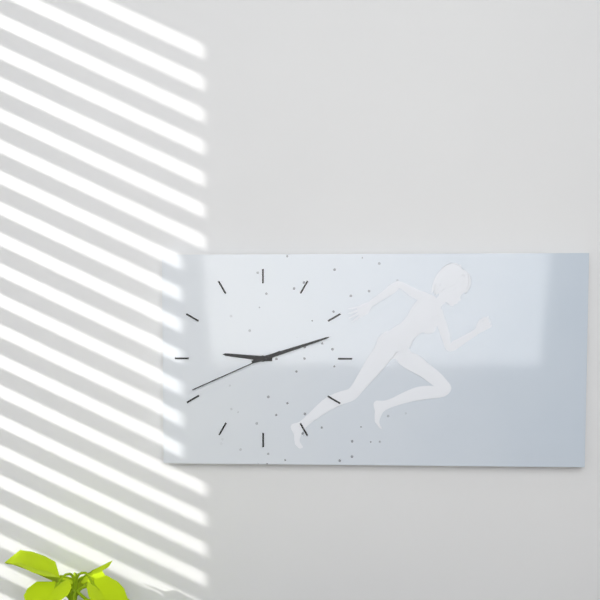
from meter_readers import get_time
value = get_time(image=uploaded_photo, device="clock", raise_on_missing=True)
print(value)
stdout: 9:12:41
